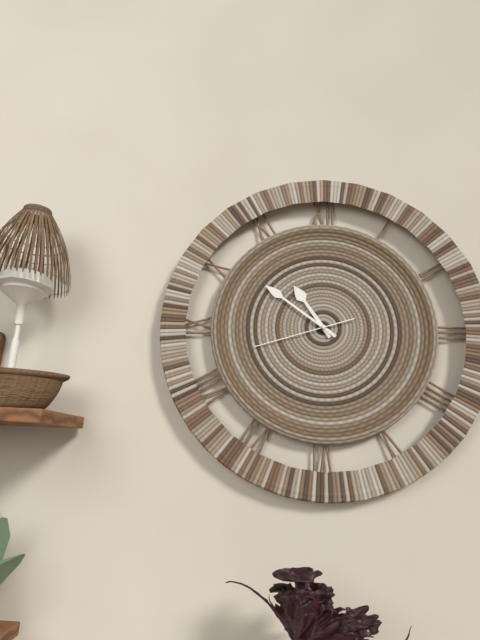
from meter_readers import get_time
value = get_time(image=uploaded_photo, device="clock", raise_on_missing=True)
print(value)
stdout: 10:51:42
